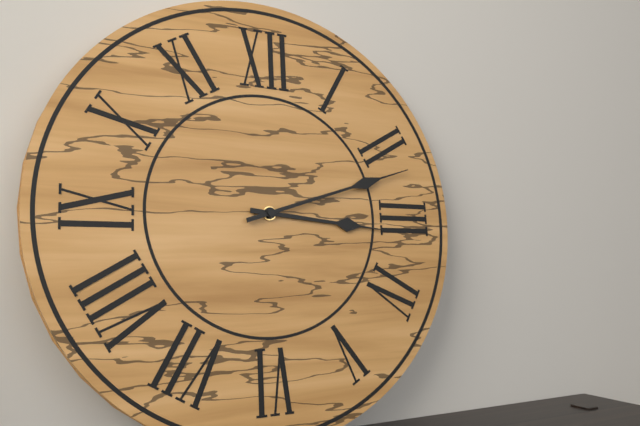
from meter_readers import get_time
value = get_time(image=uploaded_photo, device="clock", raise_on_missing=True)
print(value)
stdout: 3:12
